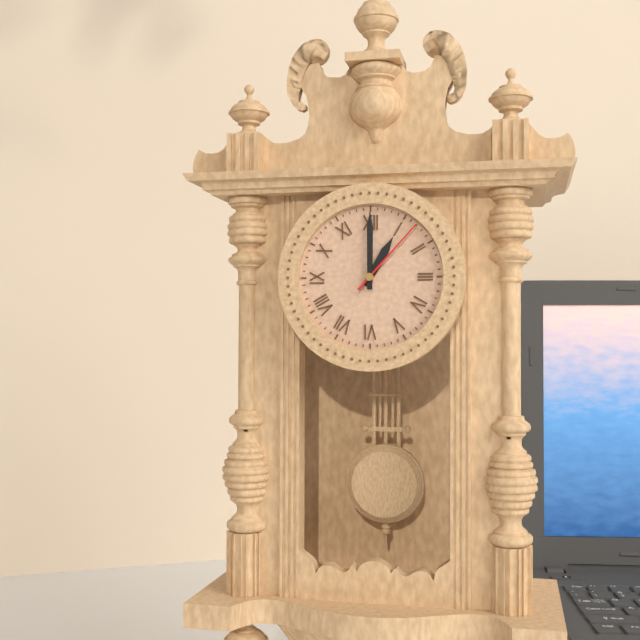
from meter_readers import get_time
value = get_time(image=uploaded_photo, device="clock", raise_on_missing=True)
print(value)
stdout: 1:00:07
